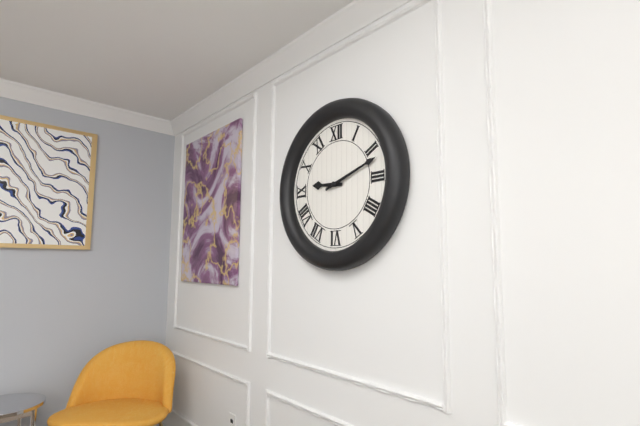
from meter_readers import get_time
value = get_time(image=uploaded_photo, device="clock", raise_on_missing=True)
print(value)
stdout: 9:12
